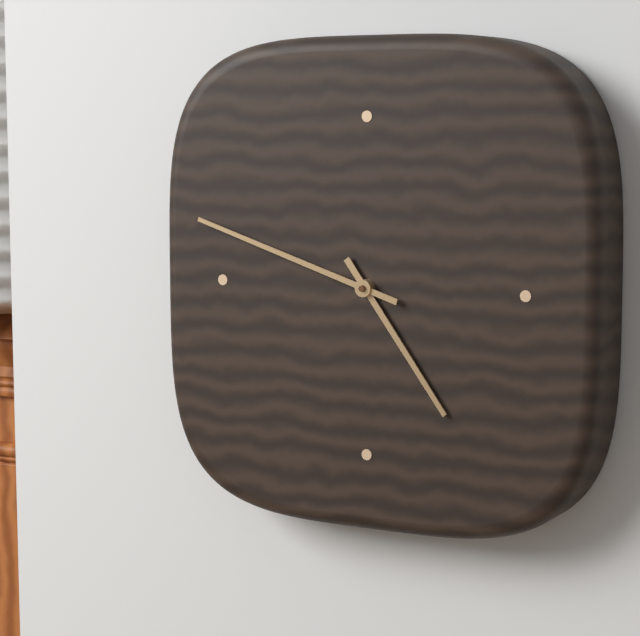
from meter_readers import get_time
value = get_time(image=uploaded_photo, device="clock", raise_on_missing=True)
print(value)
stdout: 4:48
